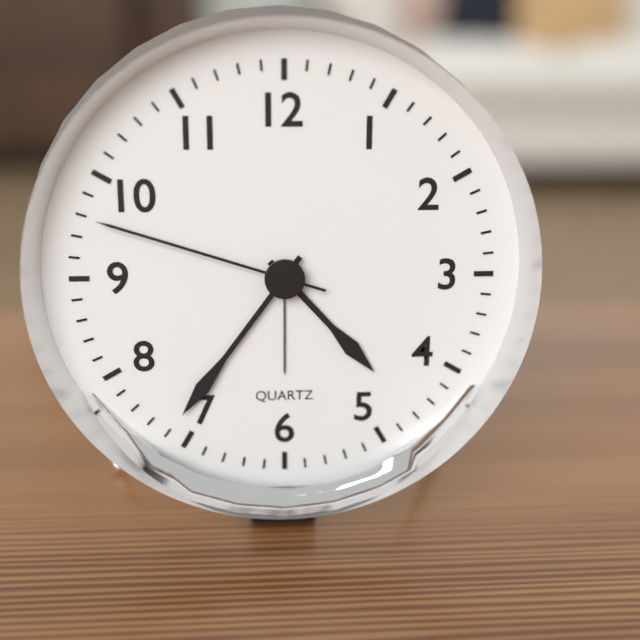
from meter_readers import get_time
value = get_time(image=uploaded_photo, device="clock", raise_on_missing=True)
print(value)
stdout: 4:36:48
